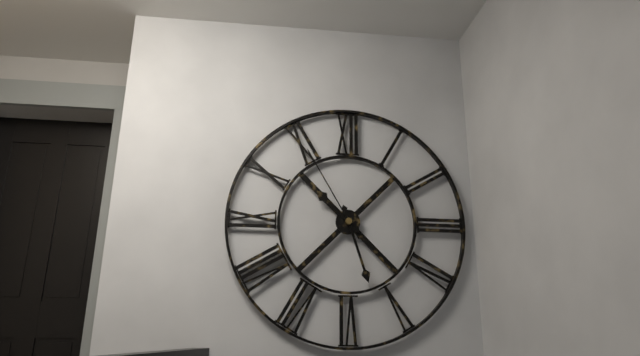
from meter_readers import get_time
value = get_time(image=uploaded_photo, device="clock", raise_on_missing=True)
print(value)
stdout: 10:27:55
